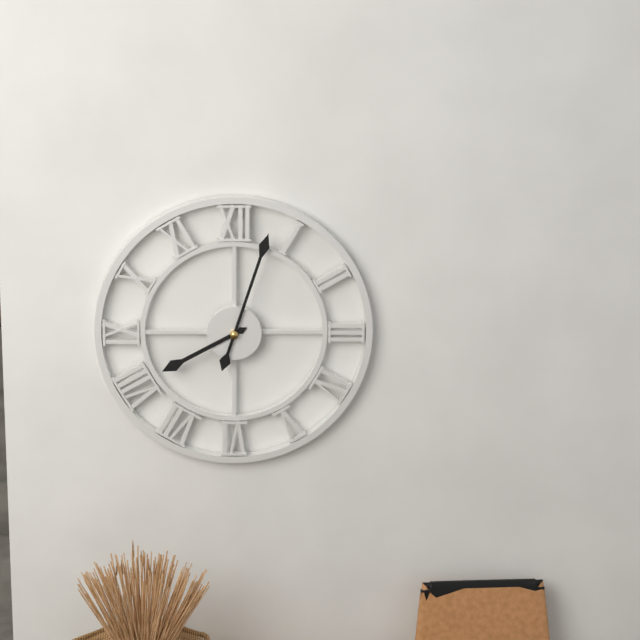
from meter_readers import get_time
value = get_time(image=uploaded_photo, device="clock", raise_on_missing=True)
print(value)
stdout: 8:03
